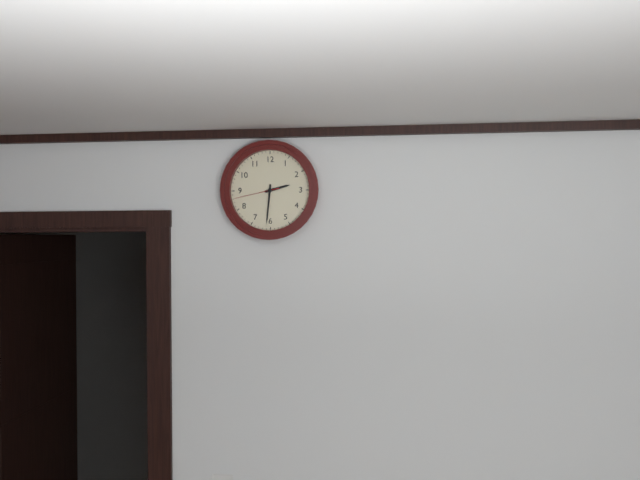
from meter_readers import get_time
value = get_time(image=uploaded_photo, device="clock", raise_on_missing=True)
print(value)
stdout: 2:31
